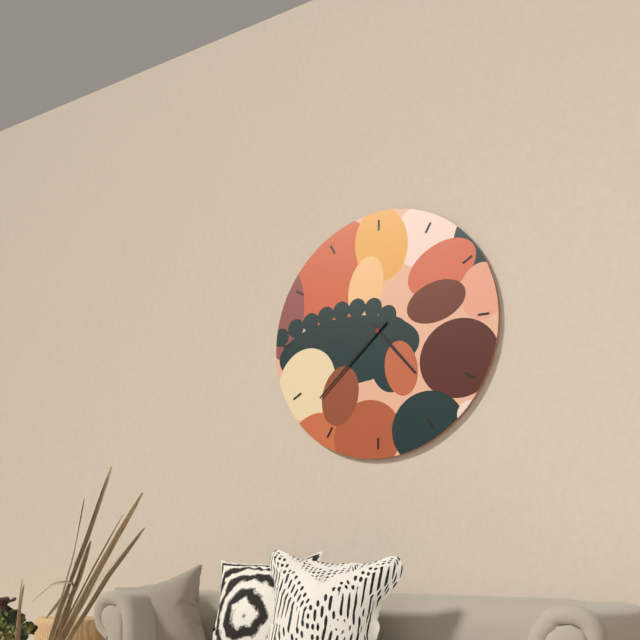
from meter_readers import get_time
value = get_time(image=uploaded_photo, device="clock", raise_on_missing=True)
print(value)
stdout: 4:38
